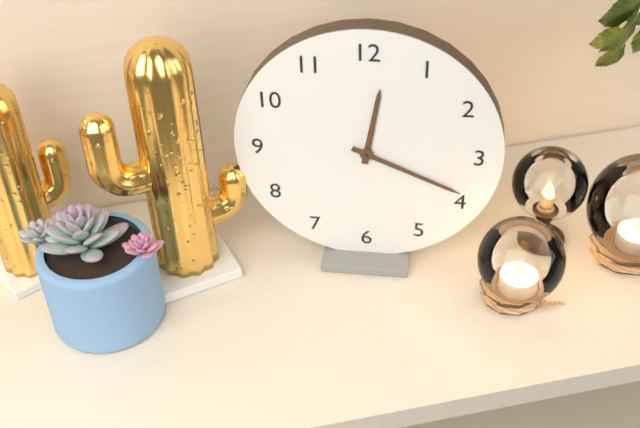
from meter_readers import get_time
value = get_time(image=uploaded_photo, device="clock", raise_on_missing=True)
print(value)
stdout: 12:19
